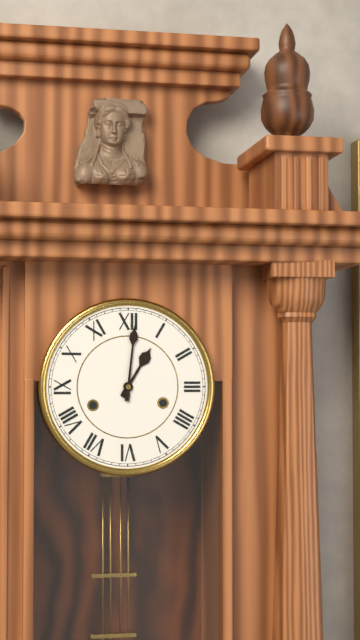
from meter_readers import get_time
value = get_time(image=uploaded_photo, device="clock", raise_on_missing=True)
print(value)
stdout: 1:01
